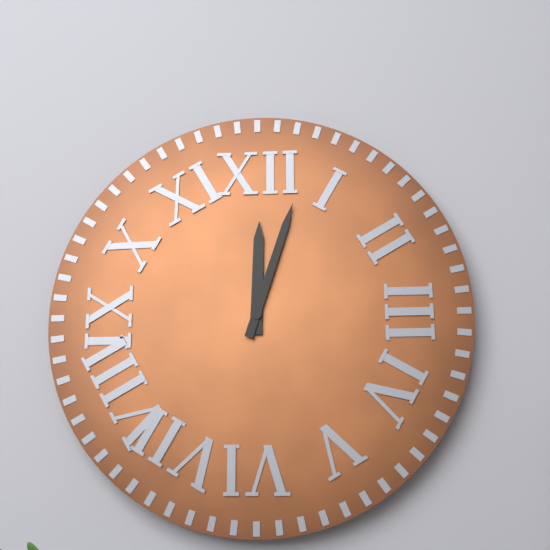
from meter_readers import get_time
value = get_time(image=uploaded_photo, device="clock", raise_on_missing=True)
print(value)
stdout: 12:03
